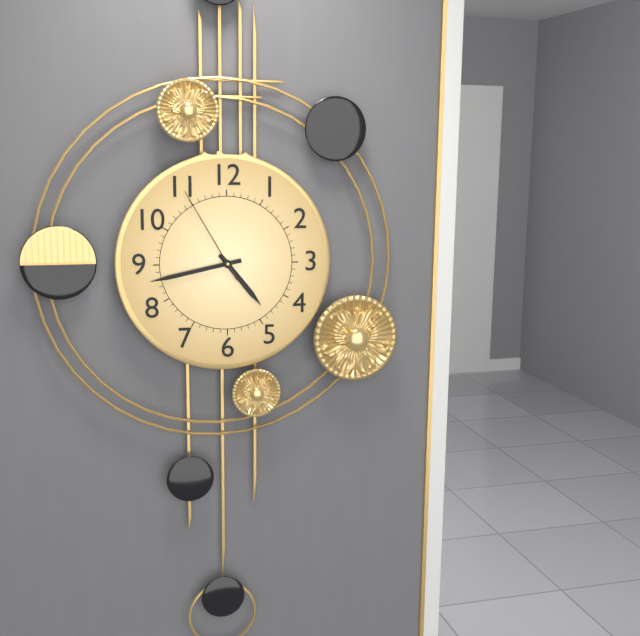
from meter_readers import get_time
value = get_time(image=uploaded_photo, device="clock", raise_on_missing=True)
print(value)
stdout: 4:43:55
